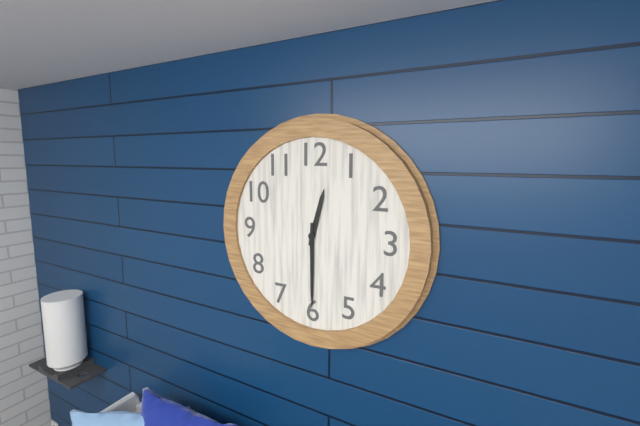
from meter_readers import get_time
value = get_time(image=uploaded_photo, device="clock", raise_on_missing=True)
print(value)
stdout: 12:30
